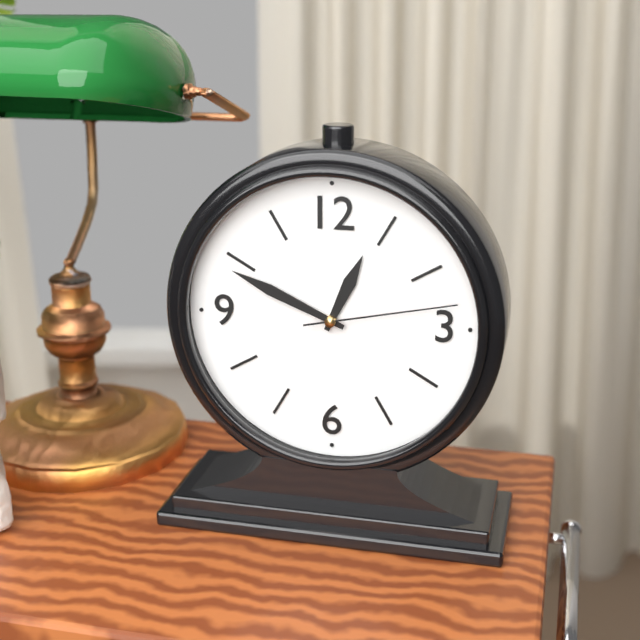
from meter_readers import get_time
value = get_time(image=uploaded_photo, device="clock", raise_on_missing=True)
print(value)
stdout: 12:49:13
